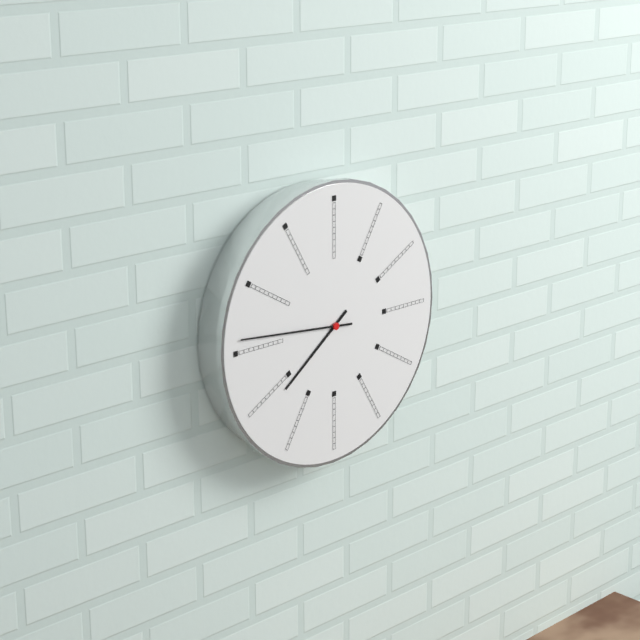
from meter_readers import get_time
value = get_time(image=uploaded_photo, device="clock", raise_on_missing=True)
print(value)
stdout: 7:46
